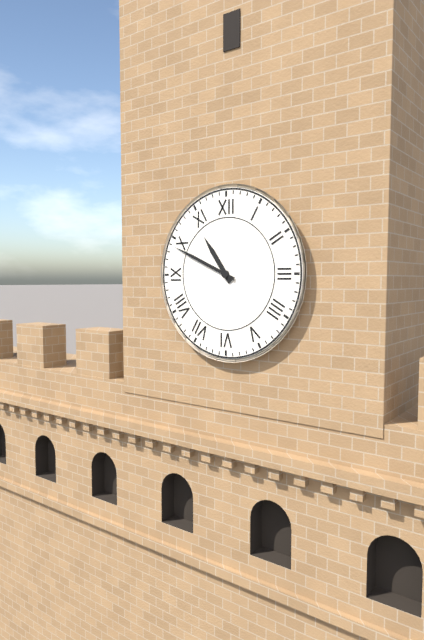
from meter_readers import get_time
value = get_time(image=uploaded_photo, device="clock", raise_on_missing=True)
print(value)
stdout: 10:49
